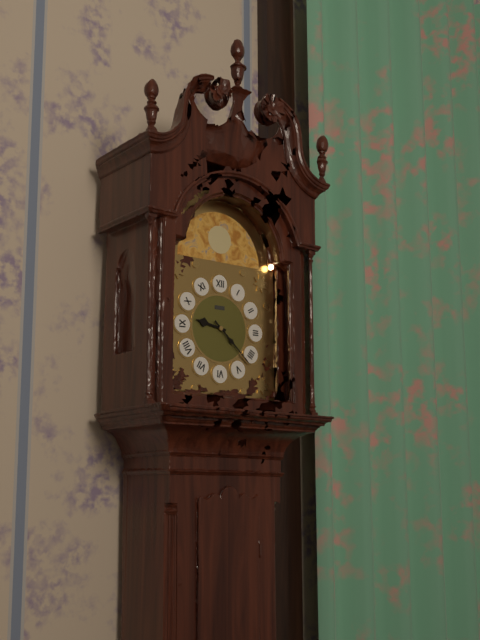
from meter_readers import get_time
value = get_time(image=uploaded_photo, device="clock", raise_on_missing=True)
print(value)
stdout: 9:22
